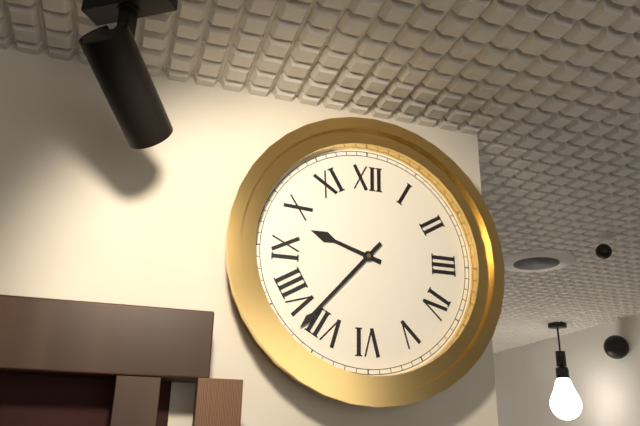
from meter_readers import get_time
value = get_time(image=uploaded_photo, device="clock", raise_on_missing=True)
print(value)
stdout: 9:37
